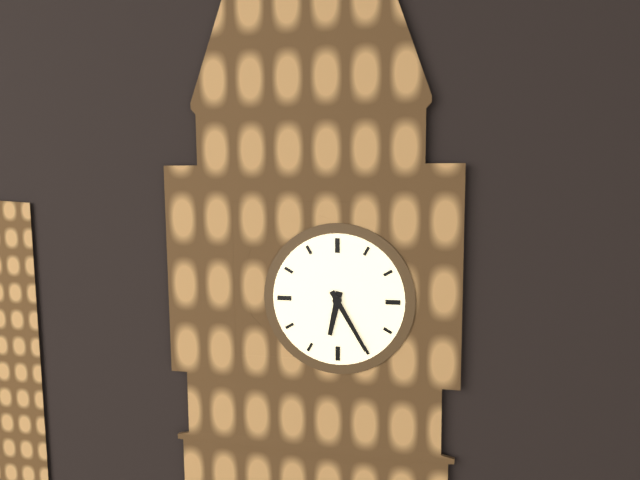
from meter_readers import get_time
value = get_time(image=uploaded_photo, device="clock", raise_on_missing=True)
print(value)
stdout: 6:25
